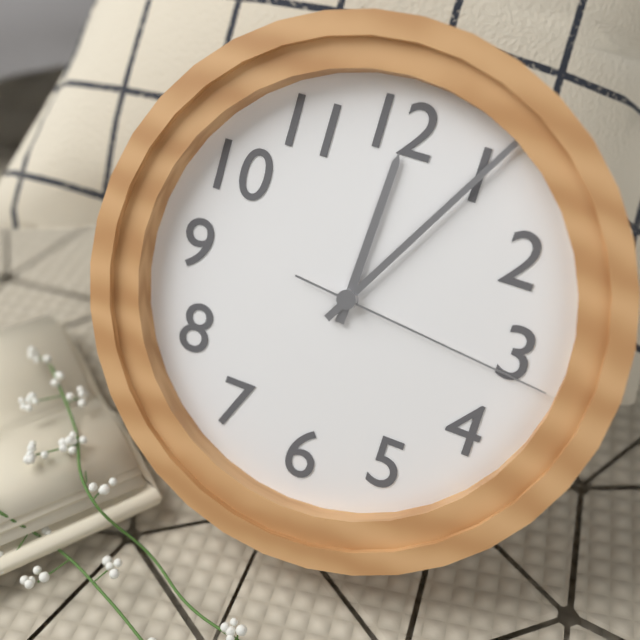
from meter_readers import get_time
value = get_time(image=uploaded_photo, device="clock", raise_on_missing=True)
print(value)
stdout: 12:05:16
